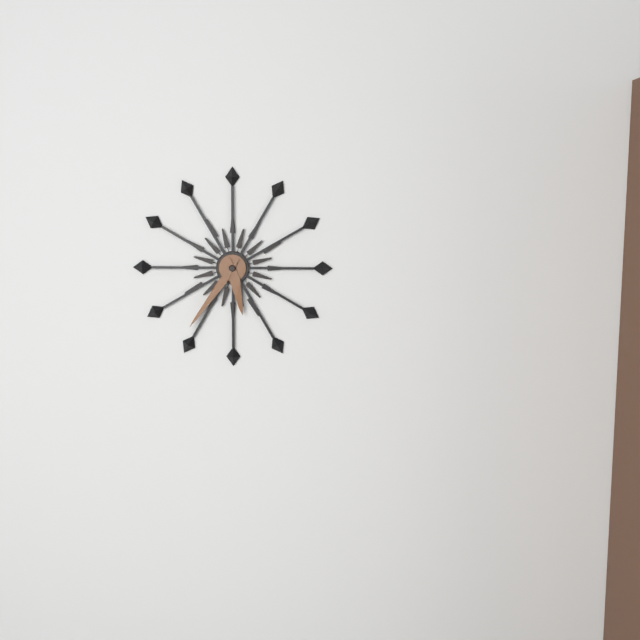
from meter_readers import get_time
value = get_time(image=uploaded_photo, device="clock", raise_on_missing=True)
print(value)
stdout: 5:36
